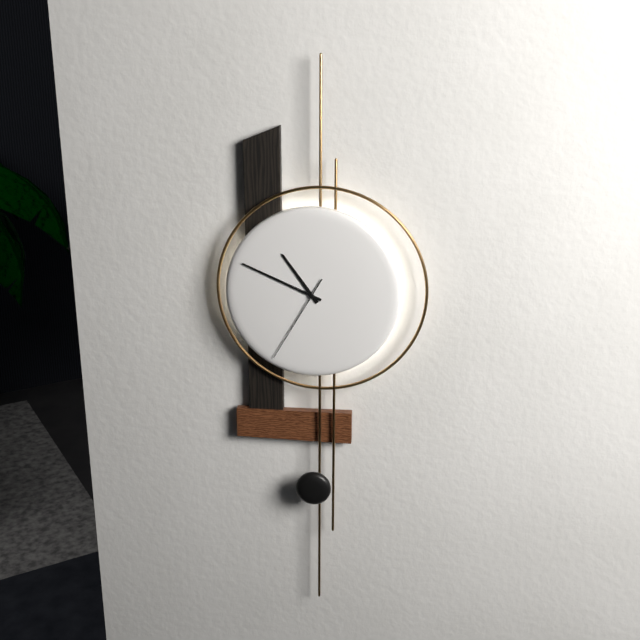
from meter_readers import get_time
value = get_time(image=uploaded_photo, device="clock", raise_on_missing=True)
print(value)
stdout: 10:49:35
